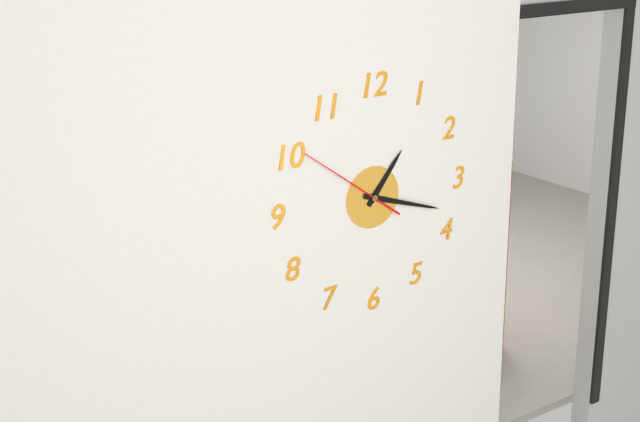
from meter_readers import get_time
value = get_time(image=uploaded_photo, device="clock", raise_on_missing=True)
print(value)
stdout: 1:18:51
